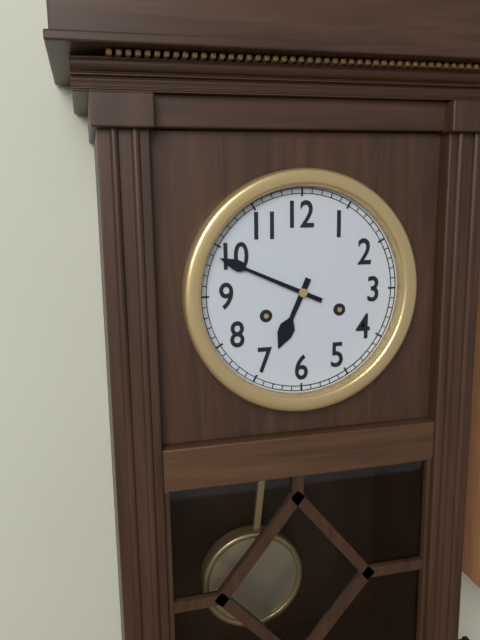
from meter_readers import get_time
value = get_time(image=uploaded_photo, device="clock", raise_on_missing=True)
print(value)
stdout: 6:49
